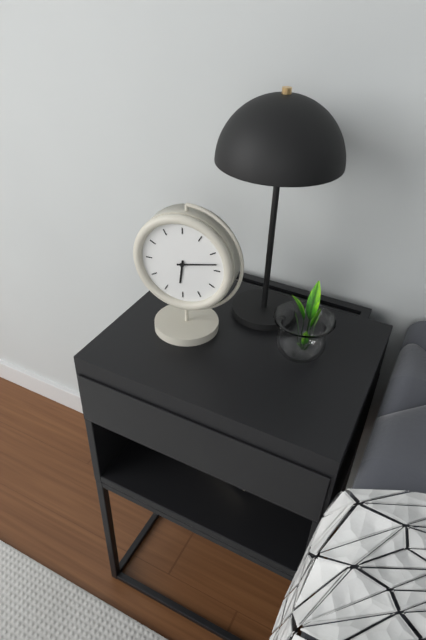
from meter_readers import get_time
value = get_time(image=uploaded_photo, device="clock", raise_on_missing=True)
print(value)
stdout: 6:13
